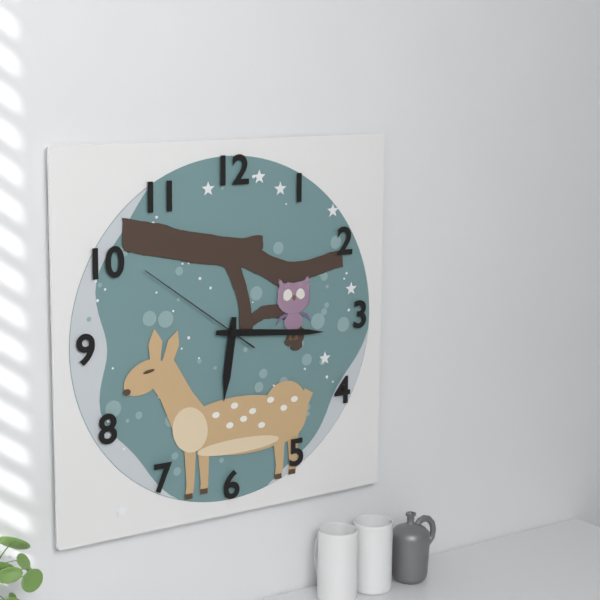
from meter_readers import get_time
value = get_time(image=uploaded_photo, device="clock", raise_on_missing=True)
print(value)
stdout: 6:16:51
